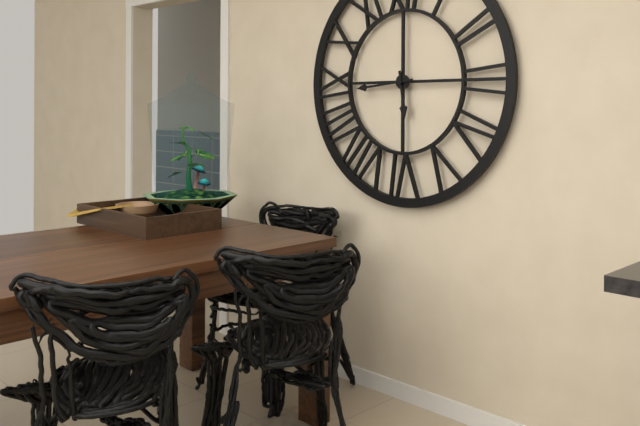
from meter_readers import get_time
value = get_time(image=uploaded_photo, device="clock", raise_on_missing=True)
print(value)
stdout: 5:44
